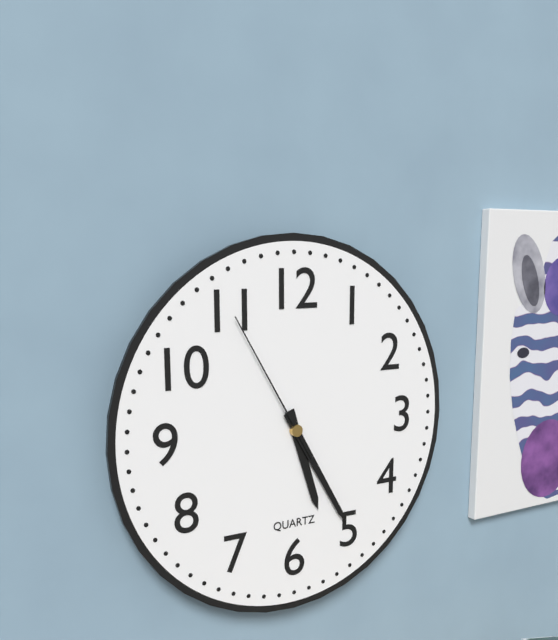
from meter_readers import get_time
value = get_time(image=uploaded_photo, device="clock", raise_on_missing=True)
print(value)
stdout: 5:25:55
